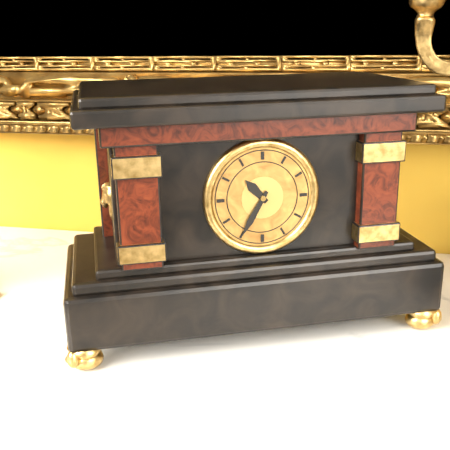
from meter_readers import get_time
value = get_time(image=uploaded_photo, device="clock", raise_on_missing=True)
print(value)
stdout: 10:35
